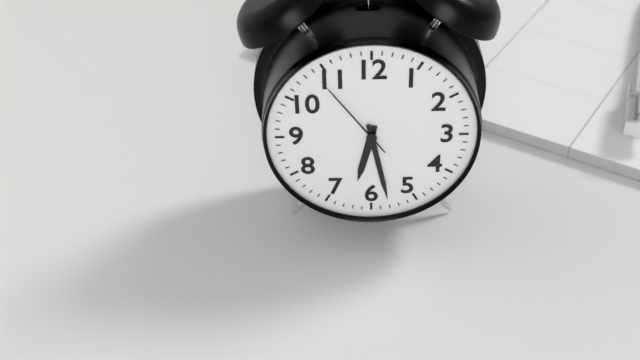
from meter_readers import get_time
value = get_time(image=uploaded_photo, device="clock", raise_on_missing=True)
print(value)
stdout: 6:28:54
